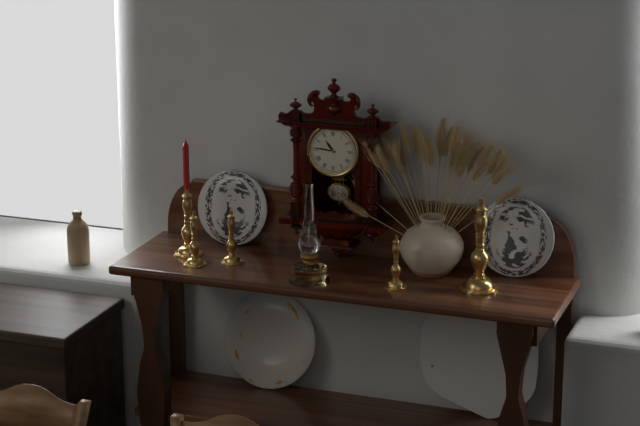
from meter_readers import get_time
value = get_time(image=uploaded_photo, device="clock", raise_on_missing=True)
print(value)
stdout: 10:46
